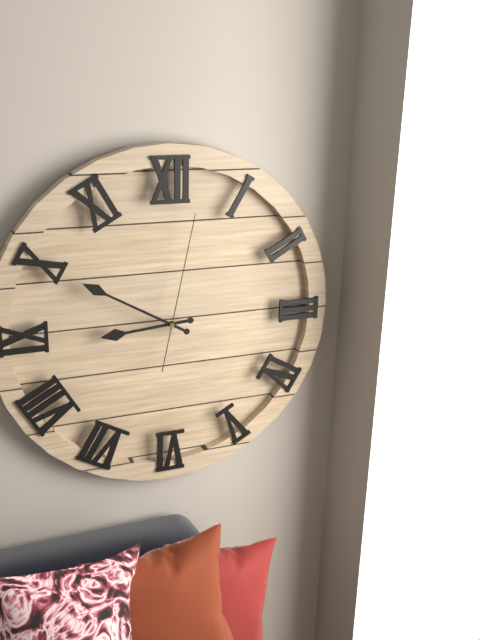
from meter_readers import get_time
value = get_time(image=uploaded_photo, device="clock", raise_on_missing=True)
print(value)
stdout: 8:50:02
